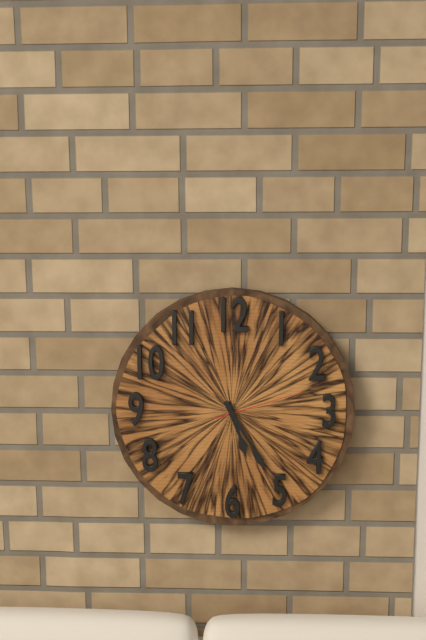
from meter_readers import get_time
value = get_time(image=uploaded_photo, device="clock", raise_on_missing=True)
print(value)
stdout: 5:25:12
